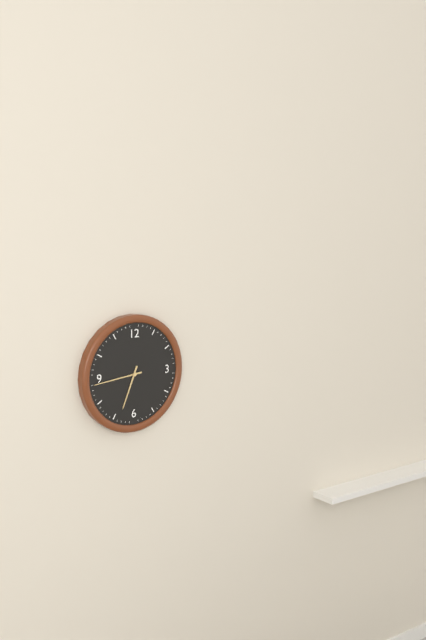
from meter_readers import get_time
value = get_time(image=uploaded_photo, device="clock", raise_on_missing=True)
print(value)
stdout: 6:44
